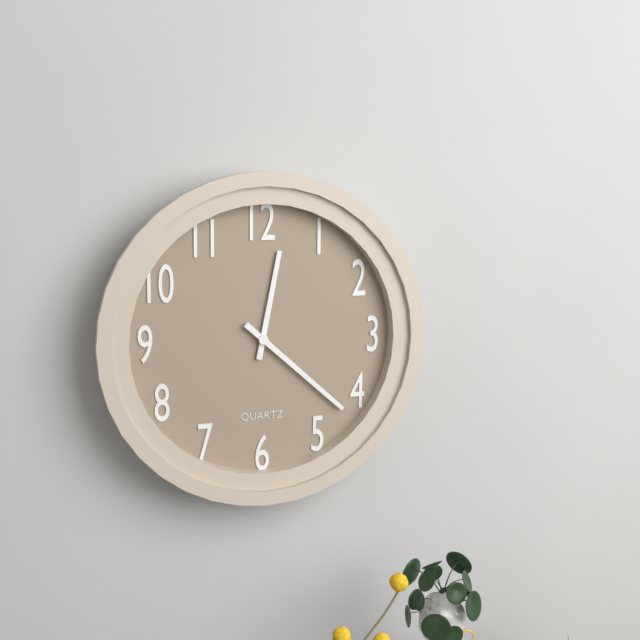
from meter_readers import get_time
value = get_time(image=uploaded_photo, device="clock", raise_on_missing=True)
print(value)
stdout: 12:22
